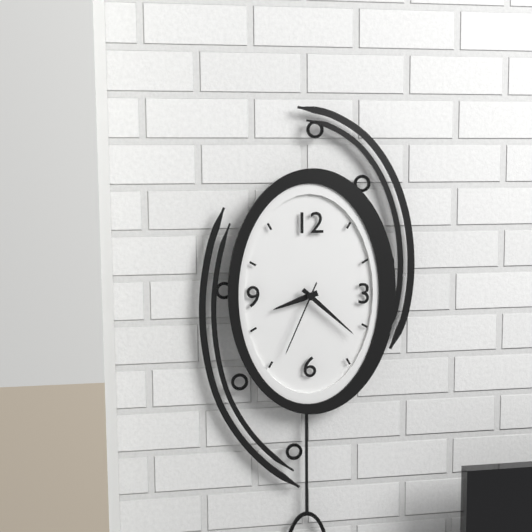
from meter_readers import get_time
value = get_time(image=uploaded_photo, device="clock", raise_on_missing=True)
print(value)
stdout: 8:22:34
